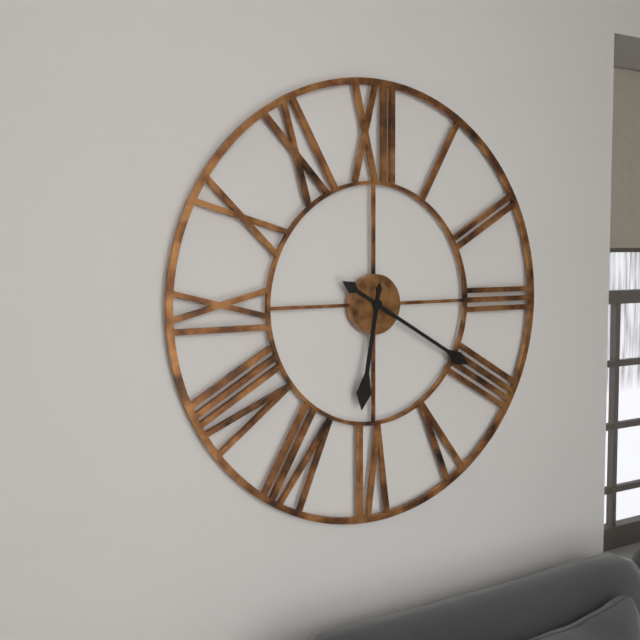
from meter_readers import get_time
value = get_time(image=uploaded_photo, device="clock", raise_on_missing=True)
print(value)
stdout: 6:20
